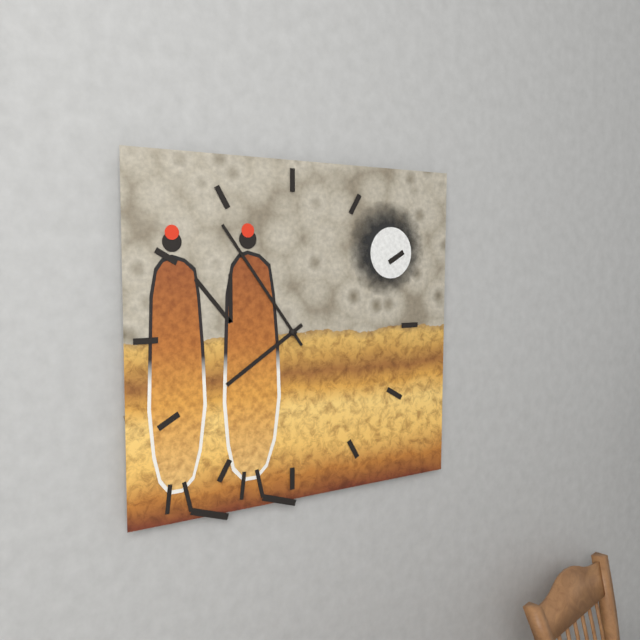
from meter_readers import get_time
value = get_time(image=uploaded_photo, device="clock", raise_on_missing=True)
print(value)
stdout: 7:54
